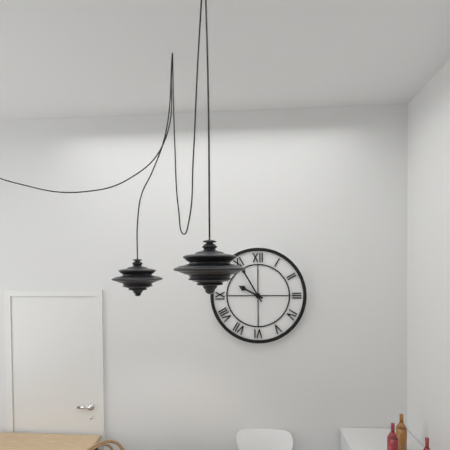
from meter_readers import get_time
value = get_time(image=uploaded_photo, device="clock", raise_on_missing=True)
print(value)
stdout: 9:55
